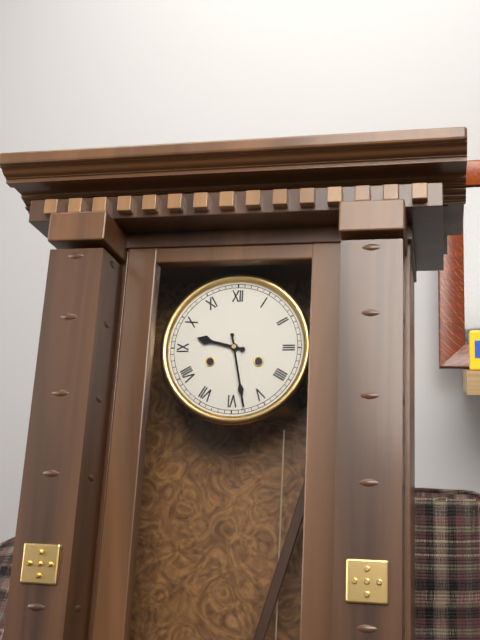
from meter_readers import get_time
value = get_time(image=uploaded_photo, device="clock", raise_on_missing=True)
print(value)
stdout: 9:28
